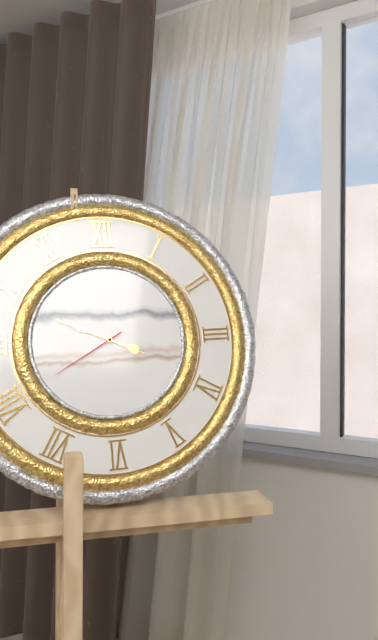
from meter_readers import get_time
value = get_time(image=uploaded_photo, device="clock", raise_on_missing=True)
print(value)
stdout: 3:49:40
